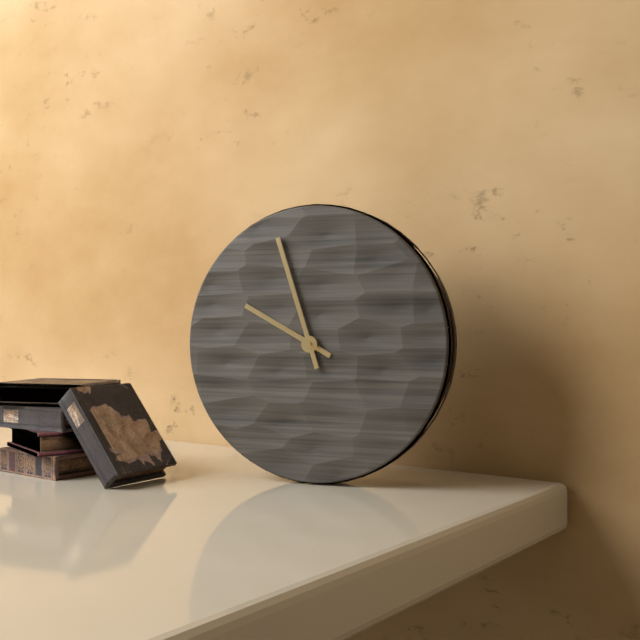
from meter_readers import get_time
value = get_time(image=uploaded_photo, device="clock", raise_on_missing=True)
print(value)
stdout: 9:57
